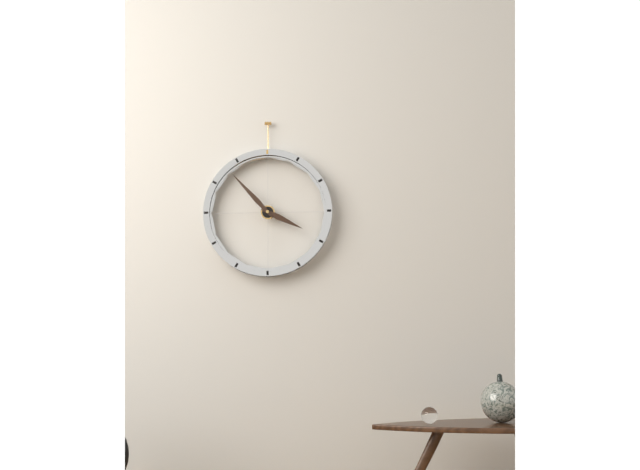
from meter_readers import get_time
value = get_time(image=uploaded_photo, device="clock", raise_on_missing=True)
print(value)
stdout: 3:53
